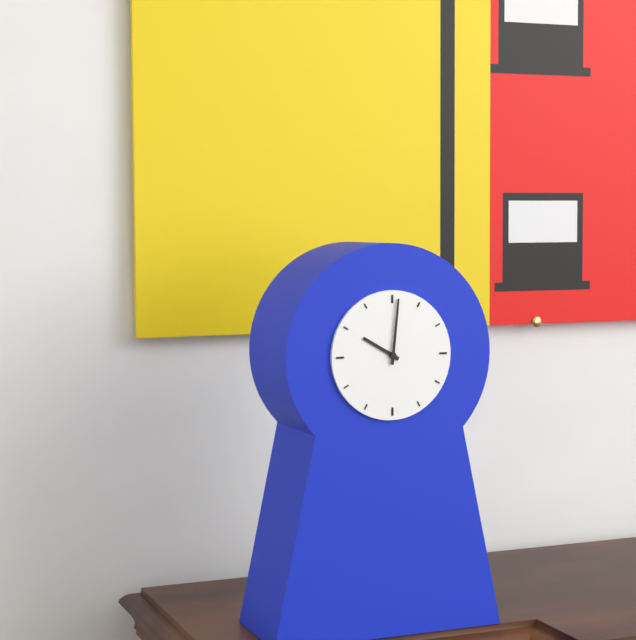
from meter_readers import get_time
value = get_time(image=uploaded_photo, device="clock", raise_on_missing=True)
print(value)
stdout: 10:01
